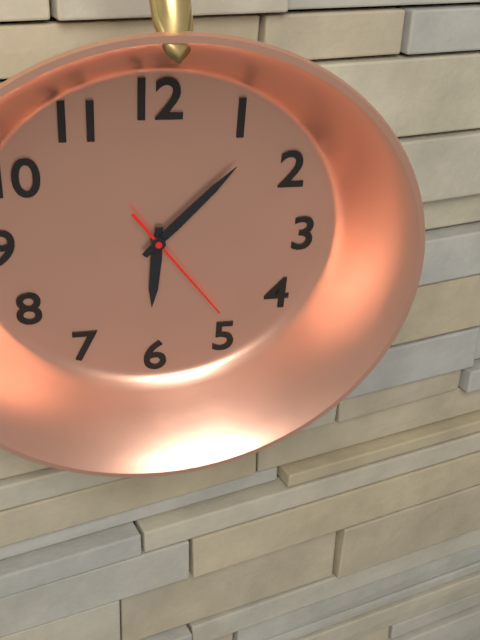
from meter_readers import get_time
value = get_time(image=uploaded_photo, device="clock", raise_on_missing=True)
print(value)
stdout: 6:07:24
